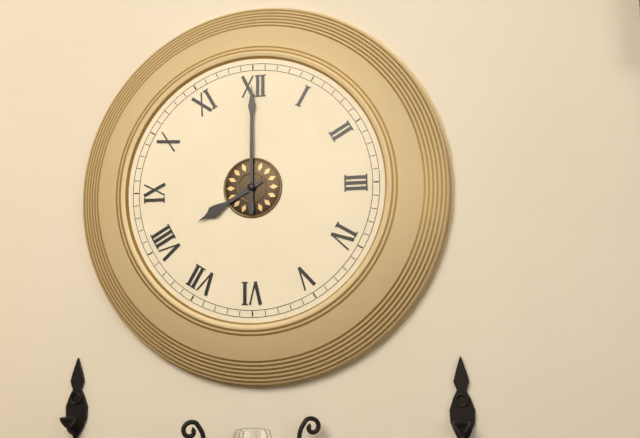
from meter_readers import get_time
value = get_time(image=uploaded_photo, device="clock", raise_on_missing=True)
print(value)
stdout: 8:00
